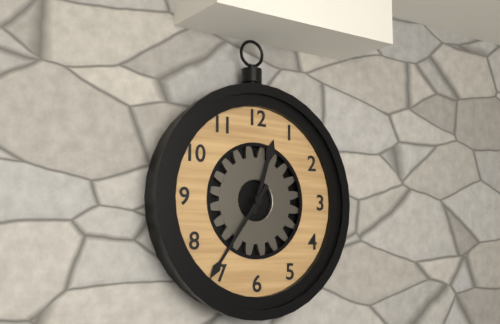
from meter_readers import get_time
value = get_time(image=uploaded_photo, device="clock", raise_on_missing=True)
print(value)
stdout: 12:36
